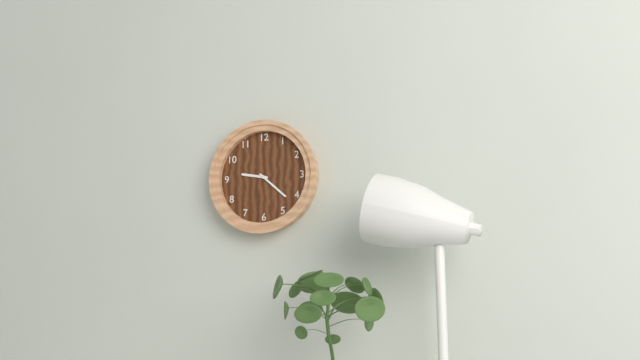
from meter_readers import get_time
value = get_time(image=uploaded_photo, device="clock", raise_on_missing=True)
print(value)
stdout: 9:22
